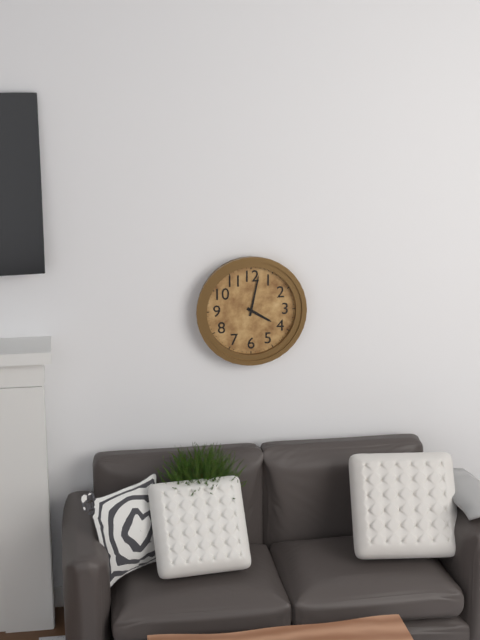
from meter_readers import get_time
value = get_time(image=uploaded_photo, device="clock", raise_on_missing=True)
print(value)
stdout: 4:02
